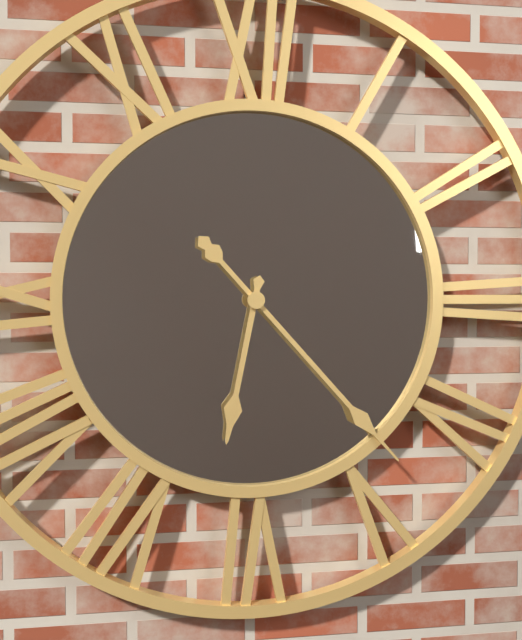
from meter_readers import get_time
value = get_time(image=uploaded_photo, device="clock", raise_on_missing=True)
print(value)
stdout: 6:23
